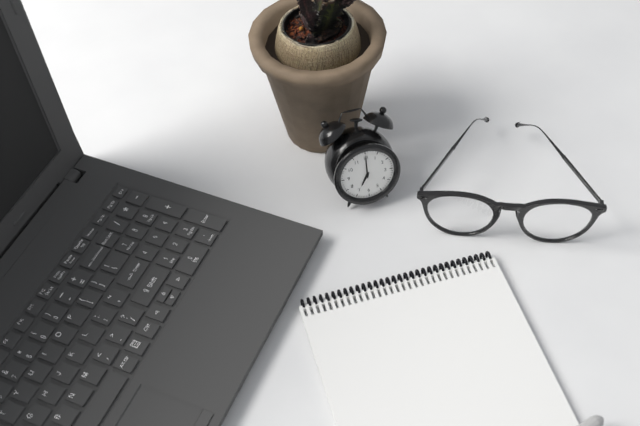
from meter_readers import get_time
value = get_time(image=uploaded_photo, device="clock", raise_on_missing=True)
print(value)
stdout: 7:00
